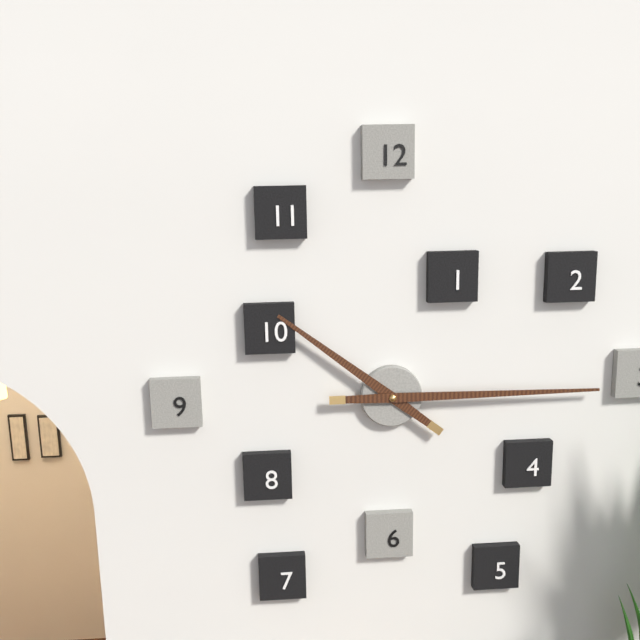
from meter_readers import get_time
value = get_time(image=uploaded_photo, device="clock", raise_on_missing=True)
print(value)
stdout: 10:15
